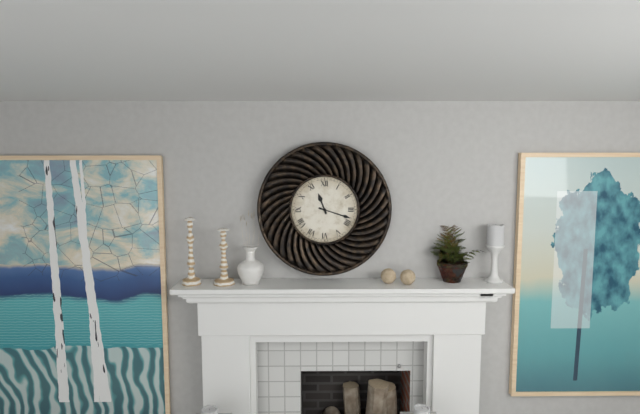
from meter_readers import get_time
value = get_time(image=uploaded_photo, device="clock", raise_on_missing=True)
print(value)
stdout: 11:18
